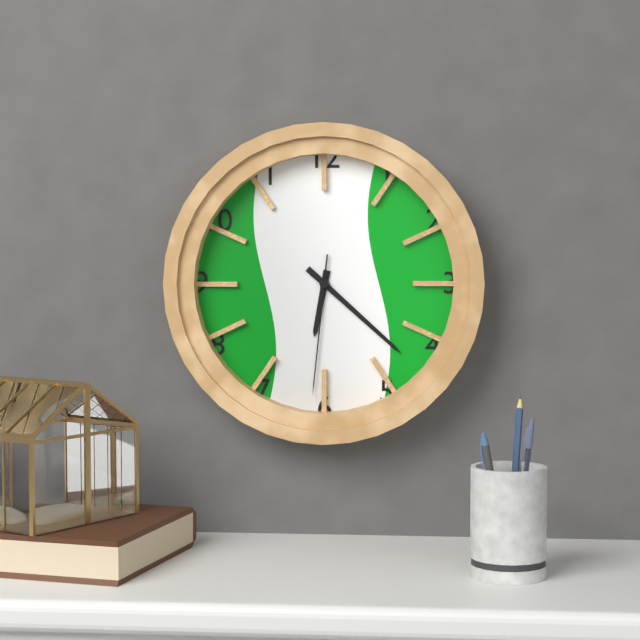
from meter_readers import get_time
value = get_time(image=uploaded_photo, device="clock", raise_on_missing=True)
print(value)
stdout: 6:22:31
